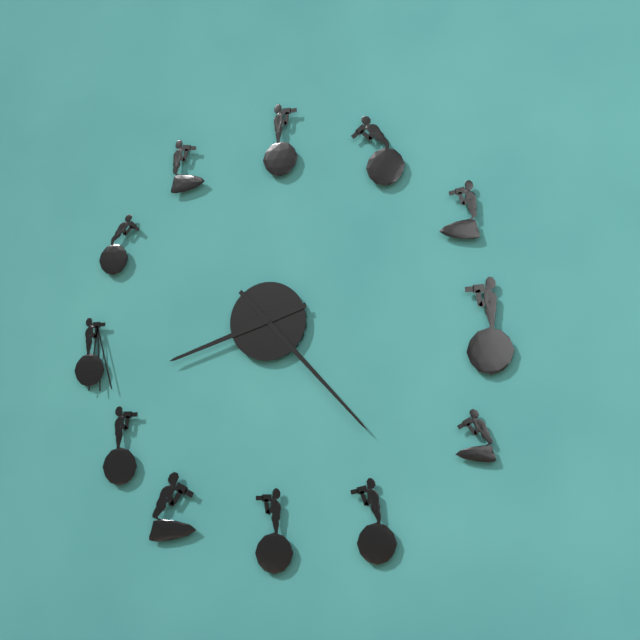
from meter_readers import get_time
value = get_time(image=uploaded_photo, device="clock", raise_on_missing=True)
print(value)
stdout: 8:23
